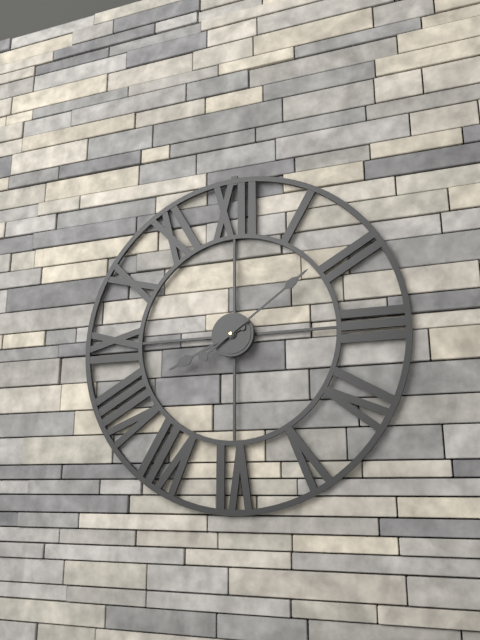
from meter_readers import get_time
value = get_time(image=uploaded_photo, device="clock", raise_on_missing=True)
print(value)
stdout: 8:09
